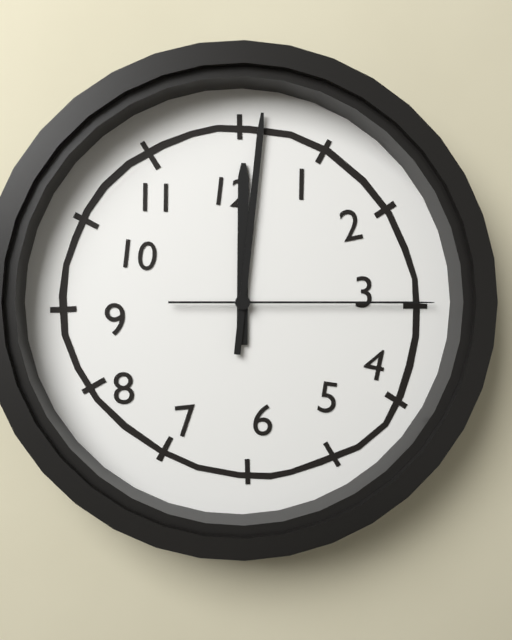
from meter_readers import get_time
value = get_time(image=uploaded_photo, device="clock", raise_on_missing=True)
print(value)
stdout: 12:01:15
